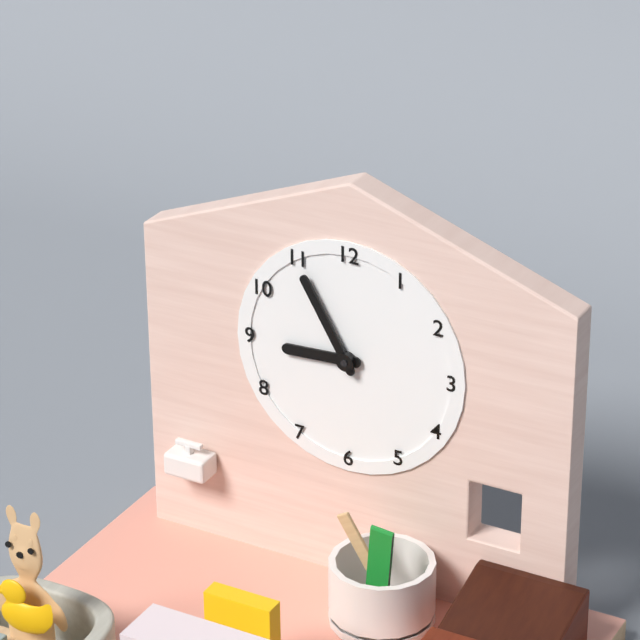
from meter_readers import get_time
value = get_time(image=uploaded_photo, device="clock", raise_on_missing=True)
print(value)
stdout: 8:55
